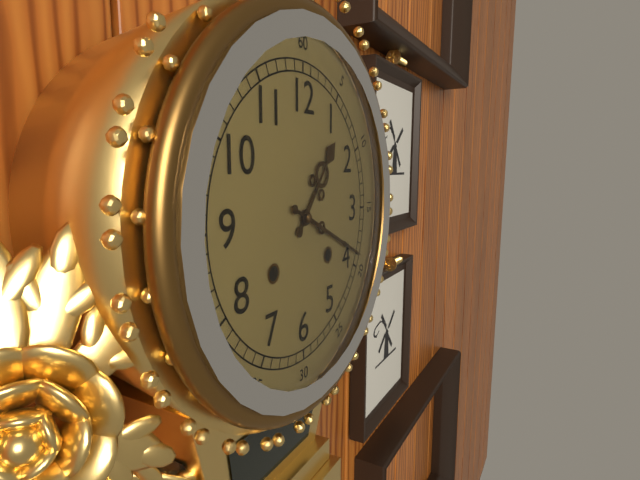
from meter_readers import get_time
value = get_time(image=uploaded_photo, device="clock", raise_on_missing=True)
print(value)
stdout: 1:19
